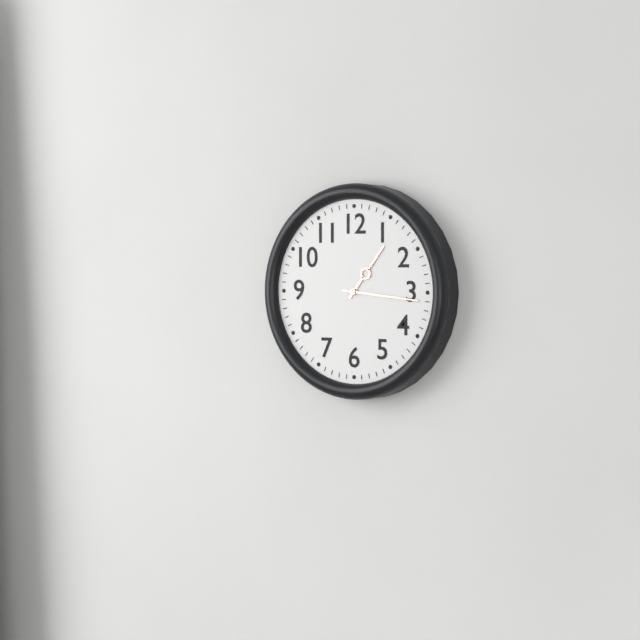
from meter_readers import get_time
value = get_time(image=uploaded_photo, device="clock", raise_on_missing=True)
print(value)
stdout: 1:16
